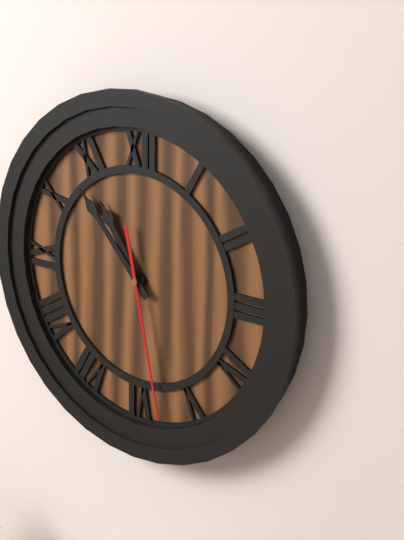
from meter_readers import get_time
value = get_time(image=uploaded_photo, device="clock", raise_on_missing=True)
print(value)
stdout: 10:53:28
